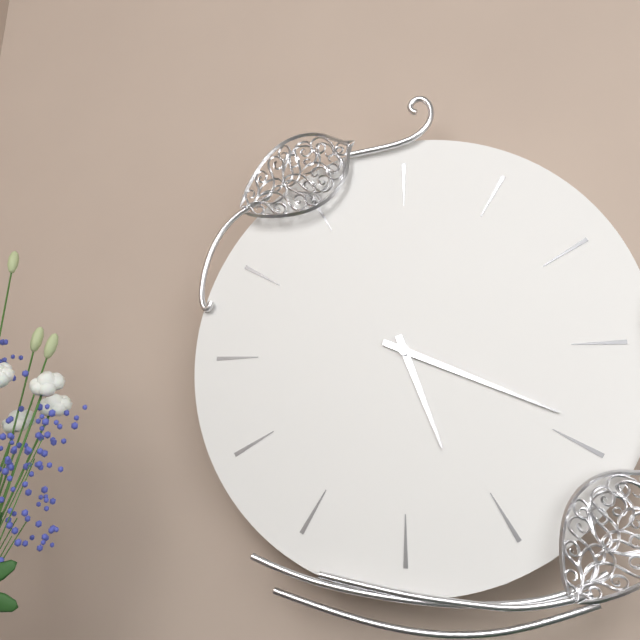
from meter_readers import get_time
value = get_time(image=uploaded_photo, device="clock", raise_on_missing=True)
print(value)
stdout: 5:19
